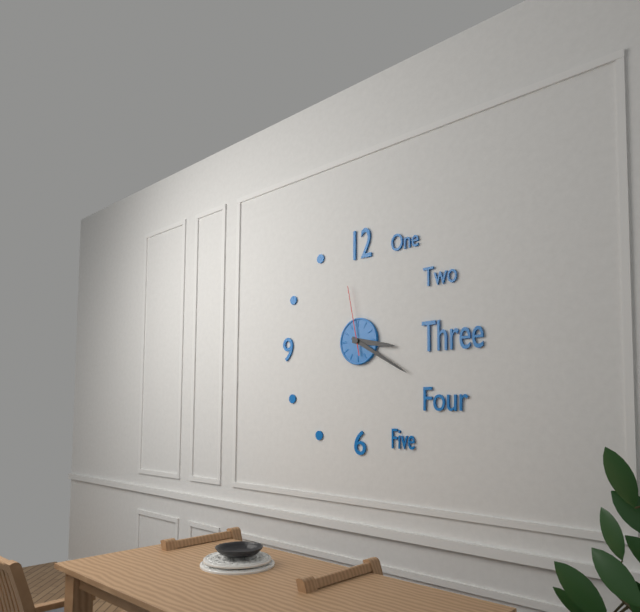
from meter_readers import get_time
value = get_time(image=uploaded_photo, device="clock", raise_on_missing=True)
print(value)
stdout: 3:20:58
